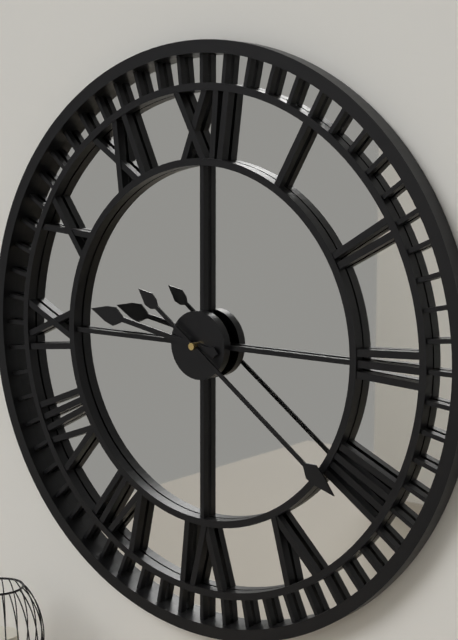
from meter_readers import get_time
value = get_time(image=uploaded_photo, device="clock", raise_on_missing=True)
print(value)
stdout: 9:21
